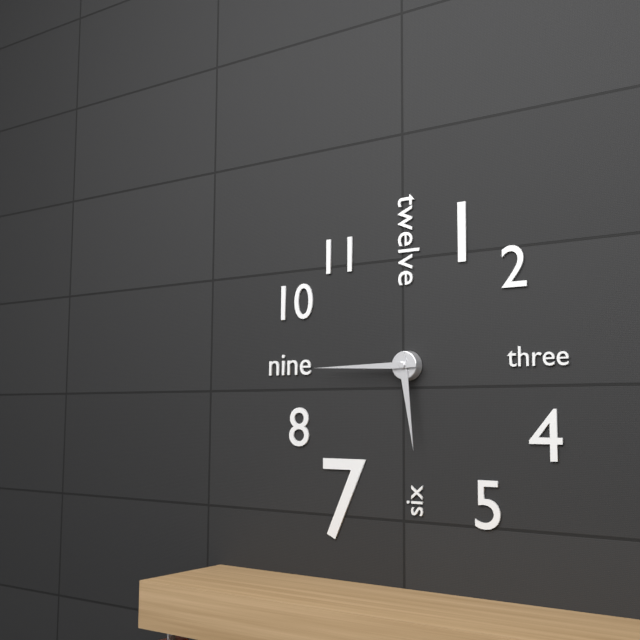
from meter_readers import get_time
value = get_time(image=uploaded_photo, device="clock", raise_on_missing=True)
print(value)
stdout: 5:45
